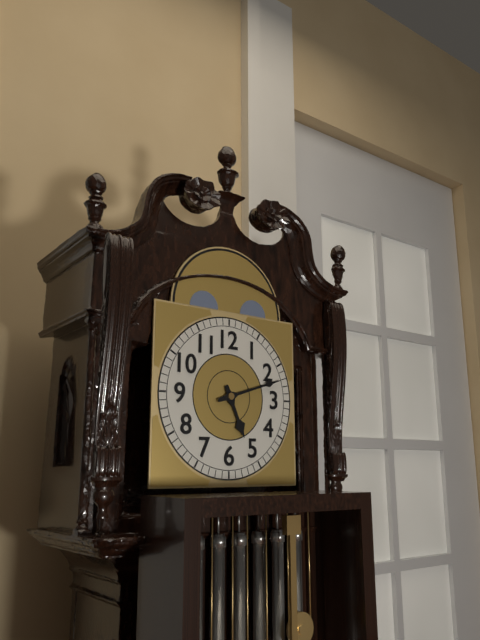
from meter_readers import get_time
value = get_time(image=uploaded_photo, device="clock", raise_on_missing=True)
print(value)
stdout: 5:12
